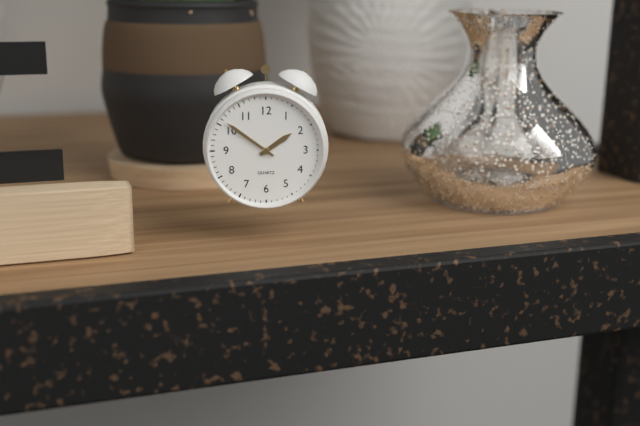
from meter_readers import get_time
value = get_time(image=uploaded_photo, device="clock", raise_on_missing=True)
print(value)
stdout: 1:51
